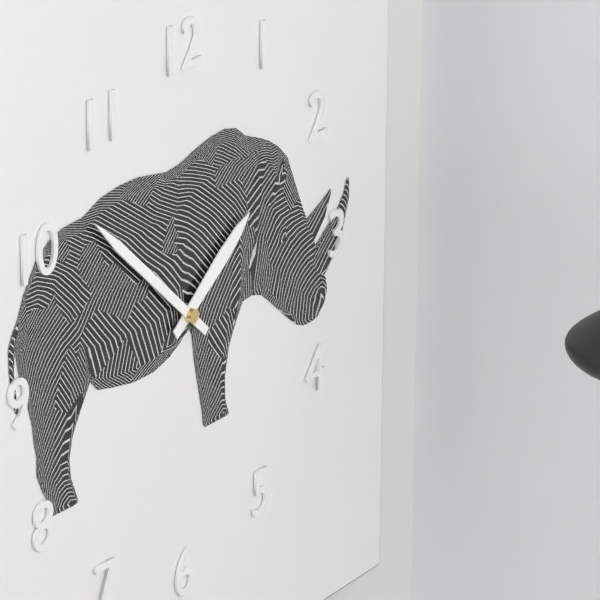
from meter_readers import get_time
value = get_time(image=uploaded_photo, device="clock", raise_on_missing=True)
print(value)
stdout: 1:52
